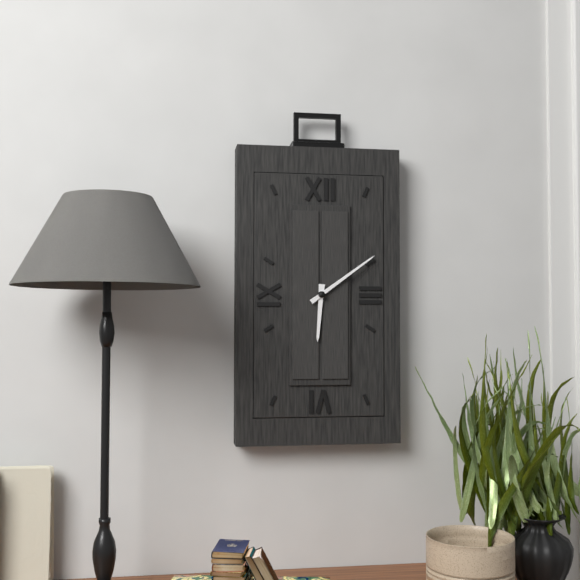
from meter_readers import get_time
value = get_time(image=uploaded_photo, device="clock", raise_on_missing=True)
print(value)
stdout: 6:09
